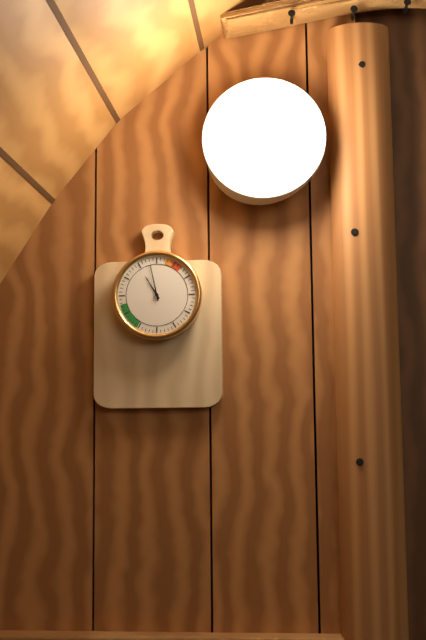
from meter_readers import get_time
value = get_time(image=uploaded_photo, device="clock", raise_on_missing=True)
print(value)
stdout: 10:58
